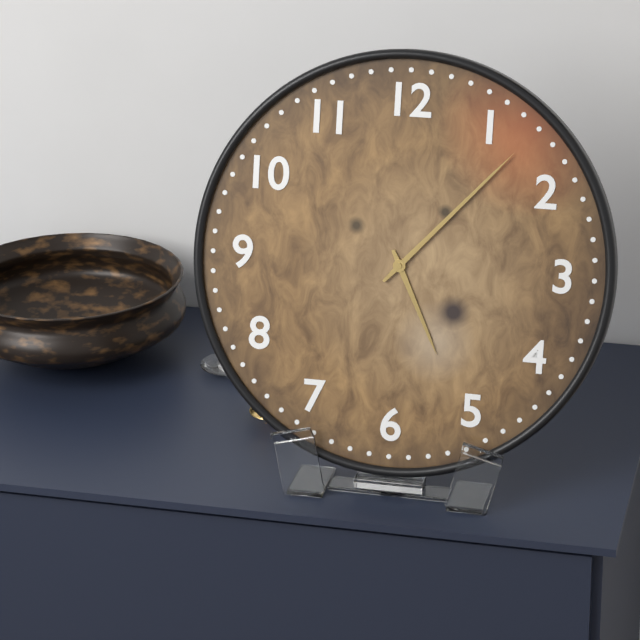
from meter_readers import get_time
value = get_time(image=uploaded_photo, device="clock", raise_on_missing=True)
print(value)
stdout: 5:07
